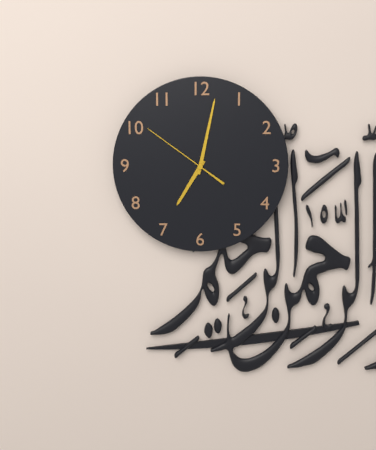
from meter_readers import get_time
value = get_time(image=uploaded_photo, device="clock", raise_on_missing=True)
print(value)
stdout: 7:02:51
